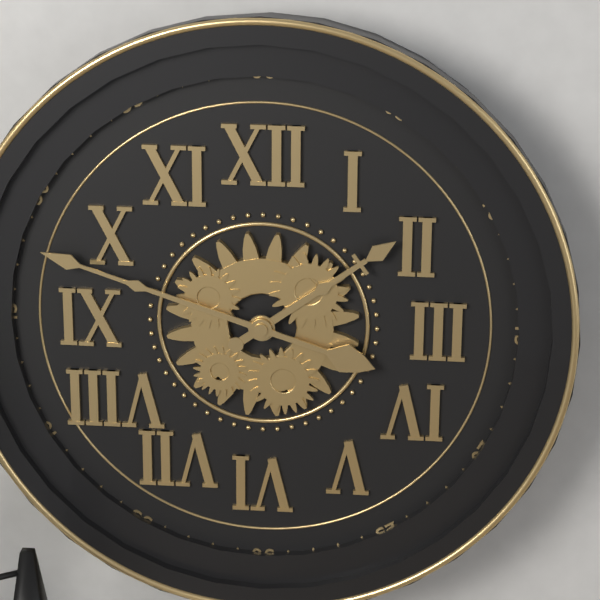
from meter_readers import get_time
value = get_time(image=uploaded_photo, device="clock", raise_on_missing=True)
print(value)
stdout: 1:48
